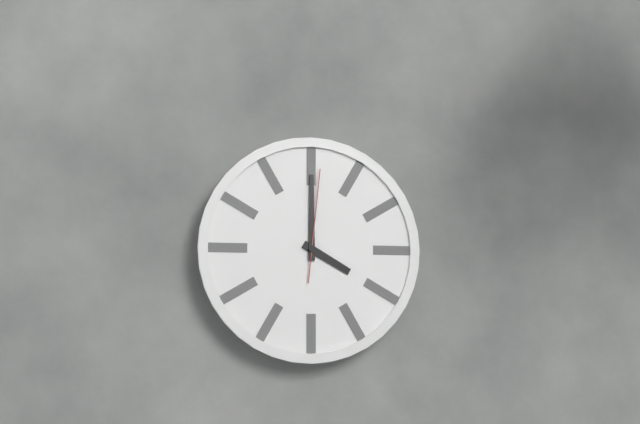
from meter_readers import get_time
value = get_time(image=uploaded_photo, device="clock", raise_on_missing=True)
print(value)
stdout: 4:00:01
